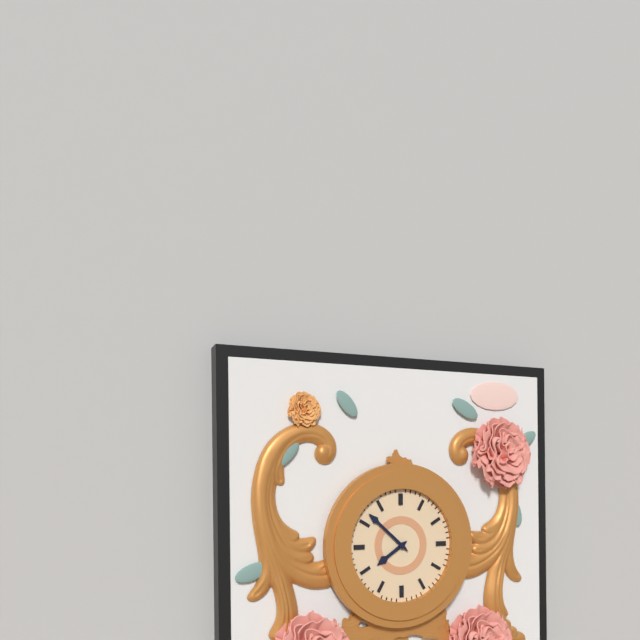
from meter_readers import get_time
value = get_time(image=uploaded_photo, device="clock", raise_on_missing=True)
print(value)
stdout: 7:52
